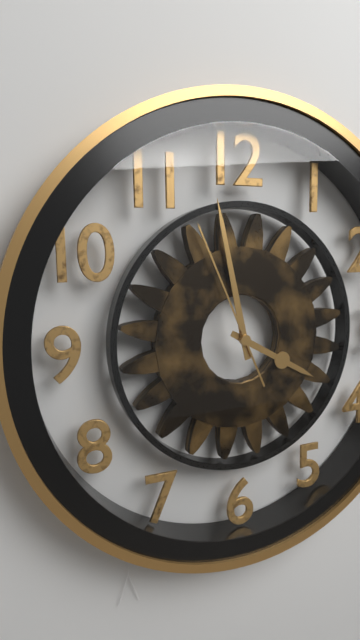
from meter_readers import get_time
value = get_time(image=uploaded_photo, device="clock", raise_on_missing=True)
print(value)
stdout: 3:58:56
